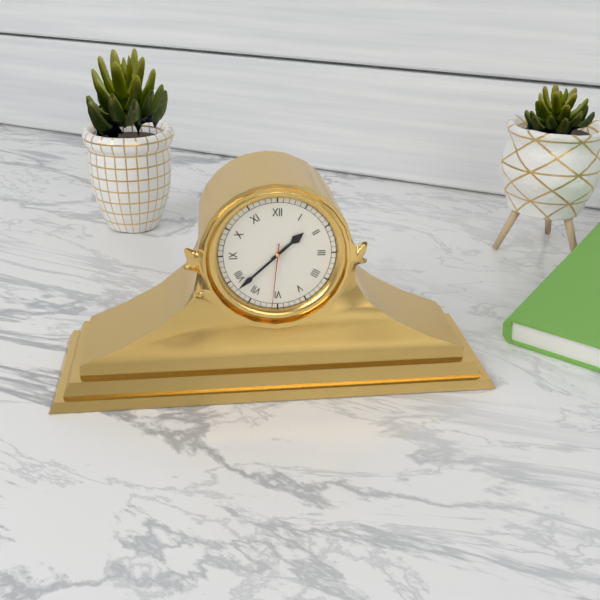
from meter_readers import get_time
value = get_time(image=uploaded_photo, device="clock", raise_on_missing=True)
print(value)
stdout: 1:38:31
